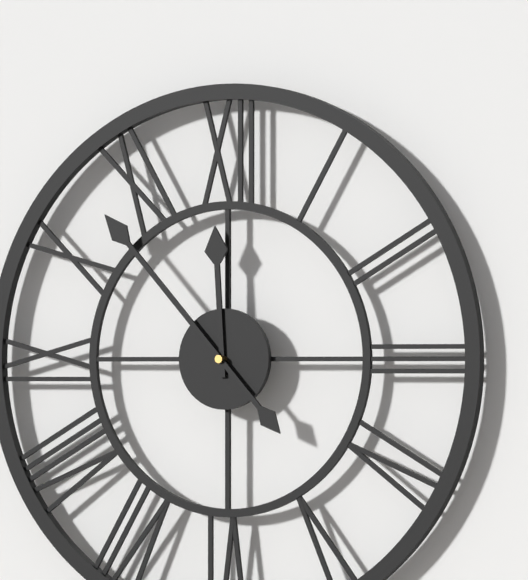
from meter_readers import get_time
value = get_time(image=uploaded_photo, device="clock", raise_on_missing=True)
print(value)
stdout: 11:53
